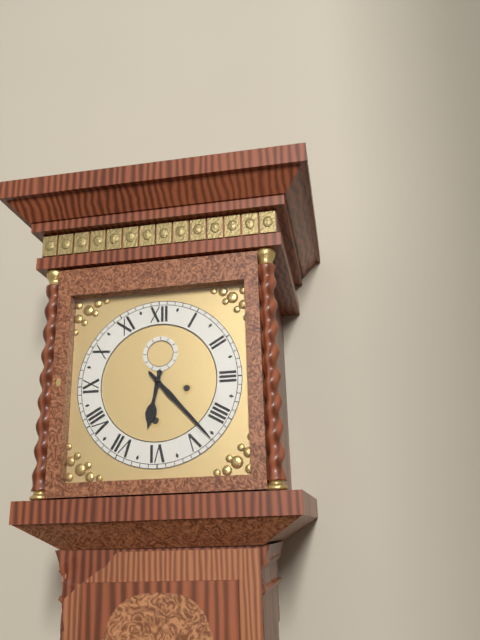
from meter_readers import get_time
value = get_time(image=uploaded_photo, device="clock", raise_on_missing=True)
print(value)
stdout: 6:23
